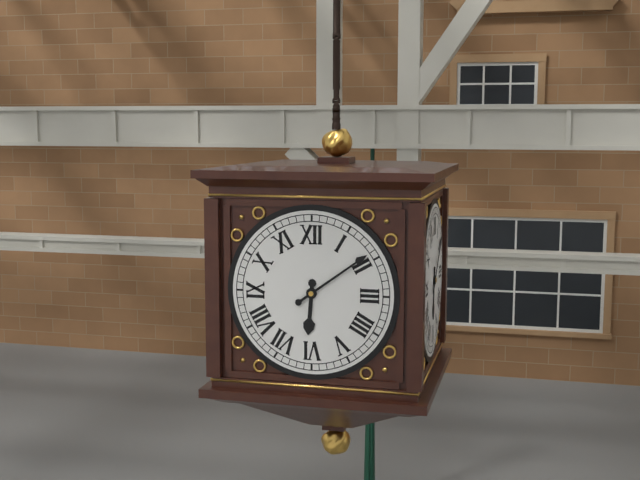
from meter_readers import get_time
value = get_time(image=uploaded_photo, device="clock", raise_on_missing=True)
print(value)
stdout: 6:09
